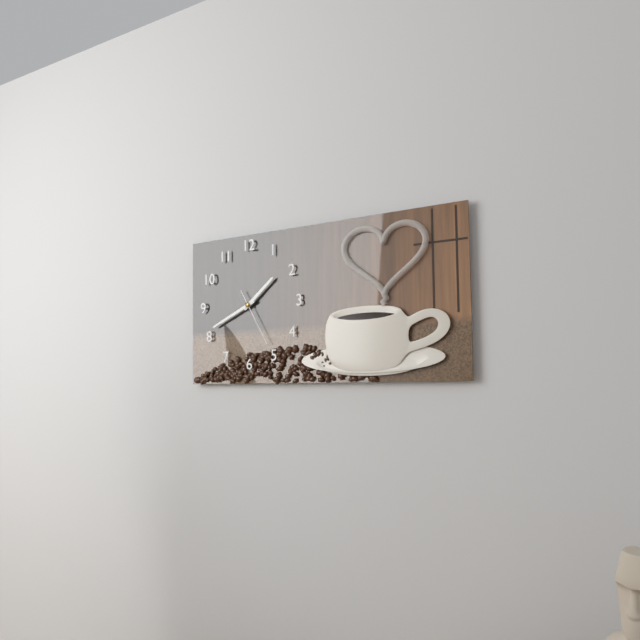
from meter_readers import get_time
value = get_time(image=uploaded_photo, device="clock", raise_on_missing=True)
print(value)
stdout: 1:41:25
